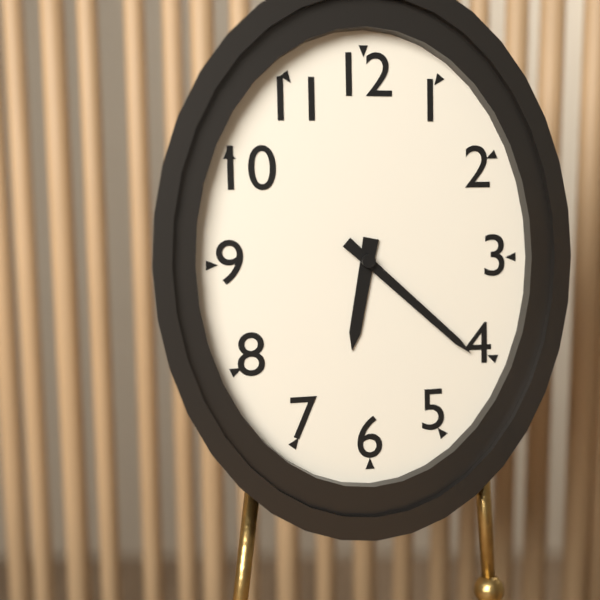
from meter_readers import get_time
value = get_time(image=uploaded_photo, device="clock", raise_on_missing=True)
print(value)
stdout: 6:22
